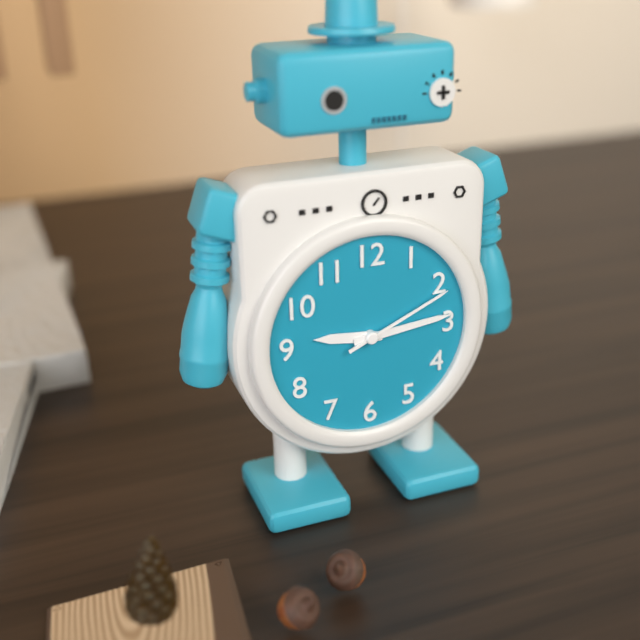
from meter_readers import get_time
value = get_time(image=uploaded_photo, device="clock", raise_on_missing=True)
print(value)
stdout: 9:14:11
